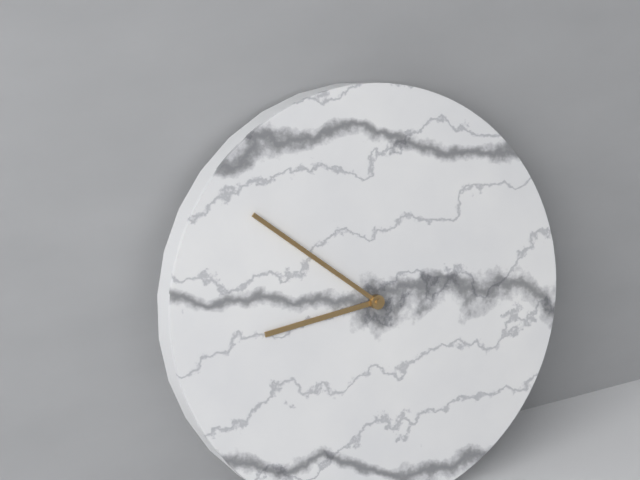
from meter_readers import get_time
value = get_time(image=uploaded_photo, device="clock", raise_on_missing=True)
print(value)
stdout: 8:52
